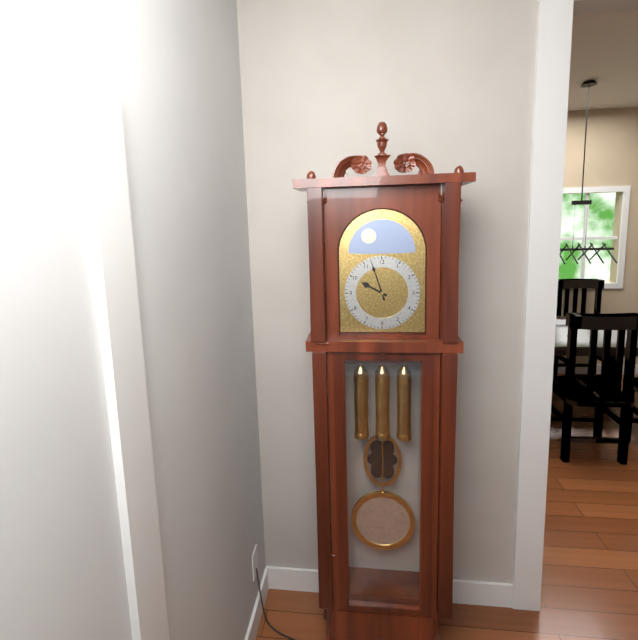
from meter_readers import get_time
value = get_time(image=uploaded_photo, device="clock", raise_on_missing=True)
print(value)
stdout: 9:57
